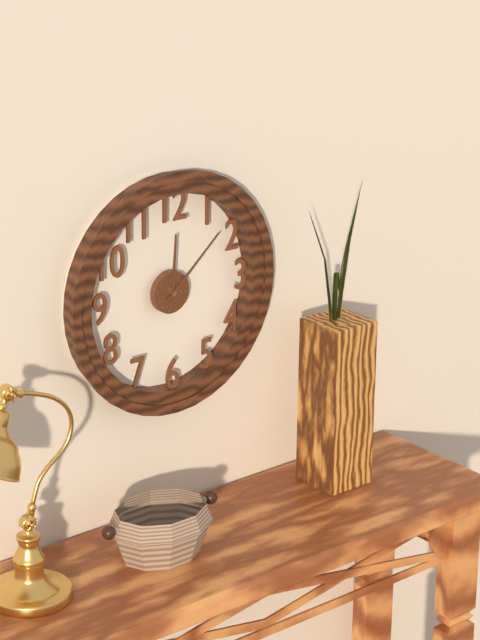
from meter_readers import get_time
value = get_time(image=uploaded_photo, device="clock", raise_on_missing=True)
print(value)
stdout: 12:08
